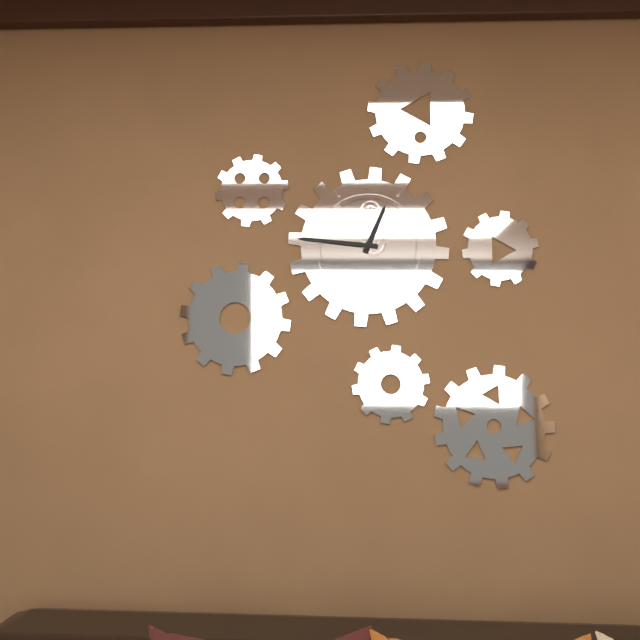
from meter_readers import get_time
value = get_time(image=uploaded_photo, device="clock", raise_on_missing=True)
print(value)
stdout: 12:46
